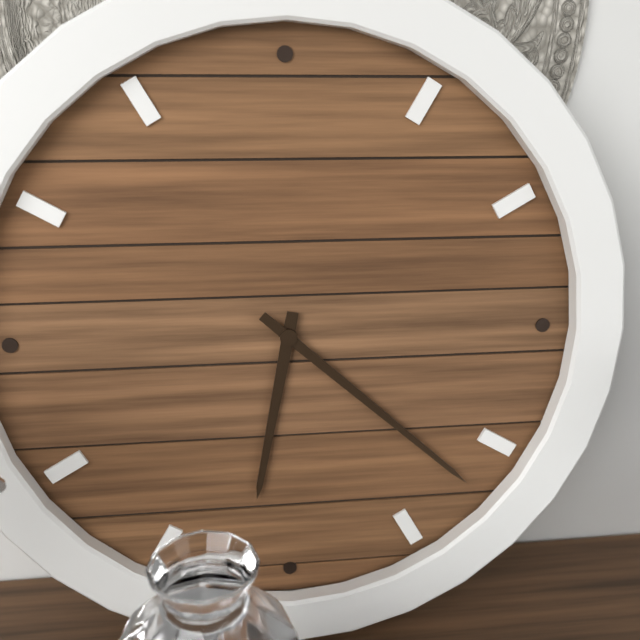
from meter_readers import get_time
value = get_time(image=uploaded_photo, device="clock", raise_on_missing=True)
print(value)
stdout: 6:22
